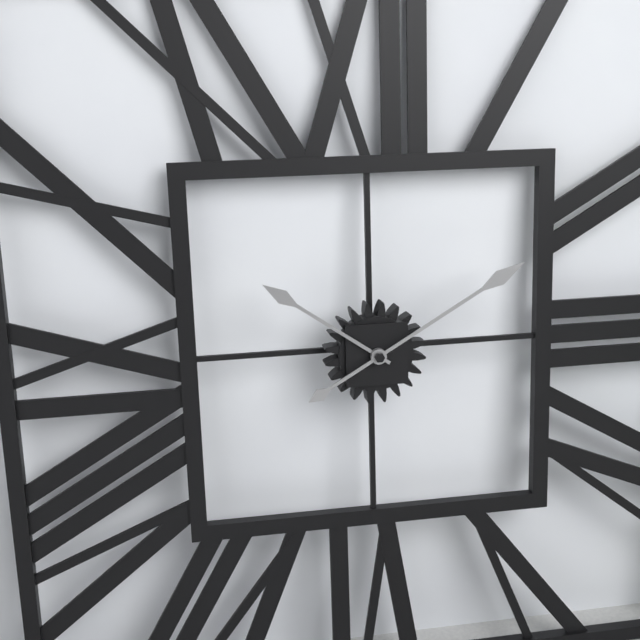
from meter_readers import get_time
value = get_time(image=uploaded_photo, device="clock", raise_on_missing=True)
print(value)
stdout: 10:10
